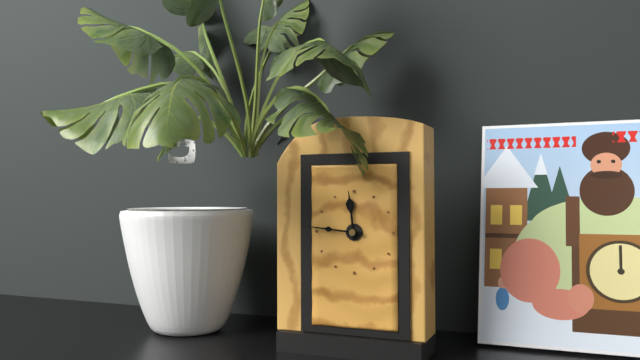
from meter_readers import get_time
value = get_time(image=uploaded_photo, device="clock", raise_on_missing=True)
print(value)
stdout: 11:46
